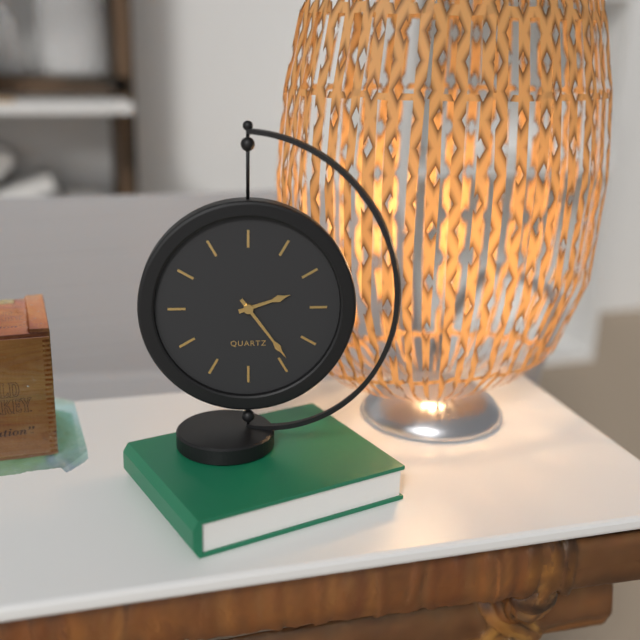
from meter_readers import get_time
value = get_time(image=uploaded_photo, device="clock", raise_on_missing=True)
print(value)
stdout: 2:24
